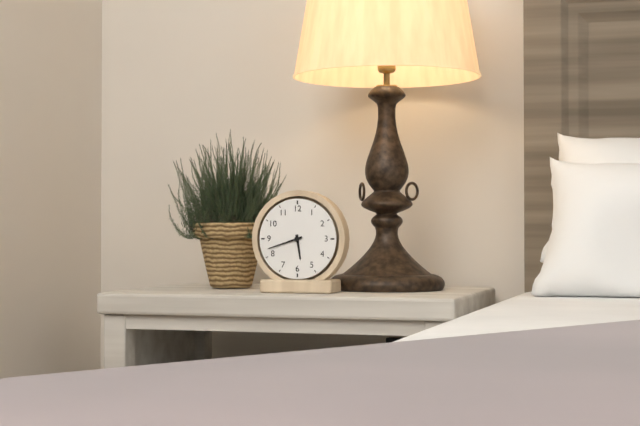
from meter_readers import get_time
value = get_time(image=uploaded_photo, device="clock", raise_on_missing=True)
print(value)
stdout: 5:42
